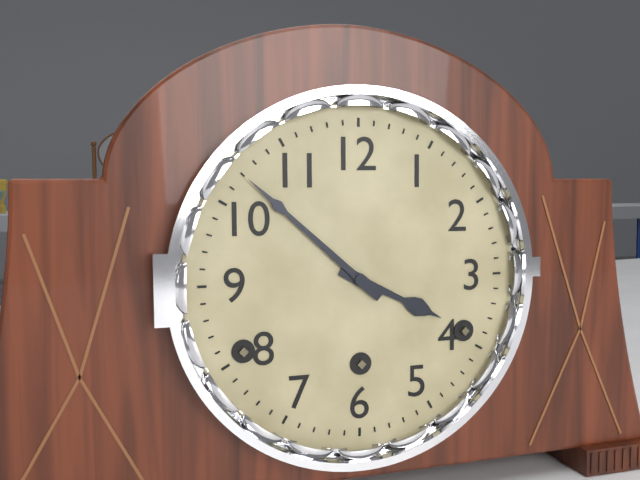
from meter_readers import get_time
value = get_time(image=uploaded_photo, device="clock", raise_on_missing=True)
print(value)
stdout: 3:52
